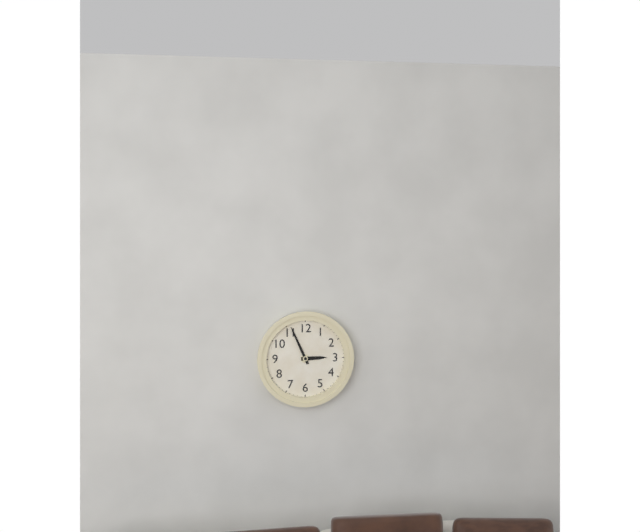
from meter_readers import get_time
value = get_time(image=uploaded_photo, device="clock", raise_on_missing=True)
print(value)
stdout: 2:56
